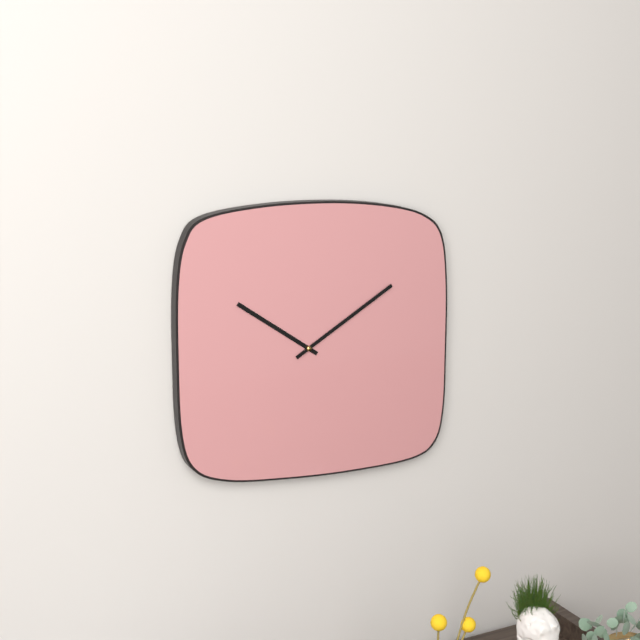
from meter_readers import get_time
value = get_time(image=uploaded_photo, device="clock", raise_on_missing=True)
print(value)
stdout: 10:10
